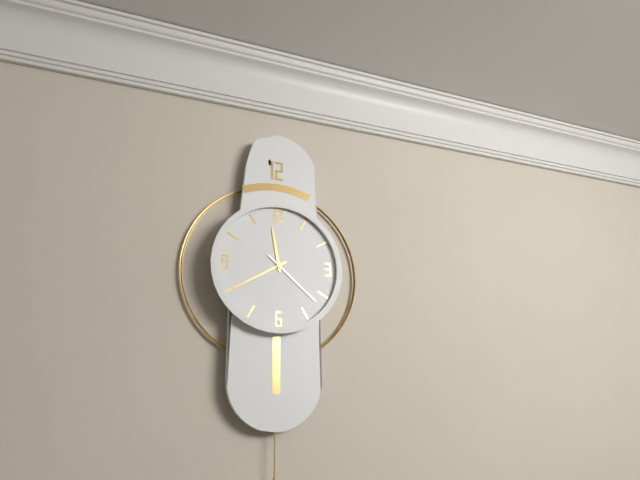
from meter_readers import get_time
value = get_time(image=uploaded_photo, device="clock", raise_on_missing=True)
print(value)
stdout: 11:40:22
